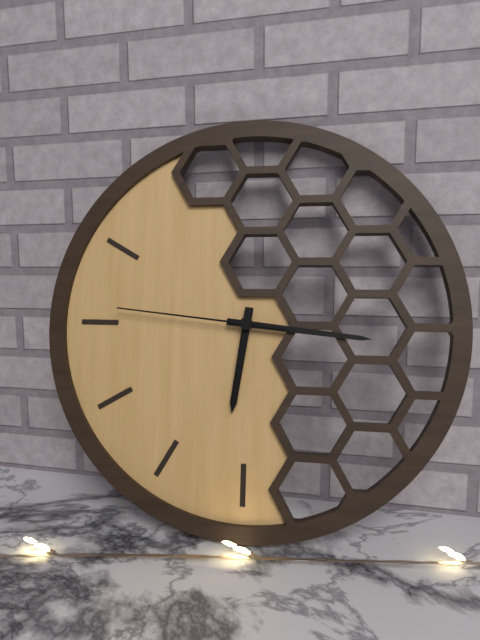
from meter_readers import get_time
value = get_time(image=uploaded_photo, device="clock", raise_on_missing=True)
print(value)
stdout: 6:16:46
